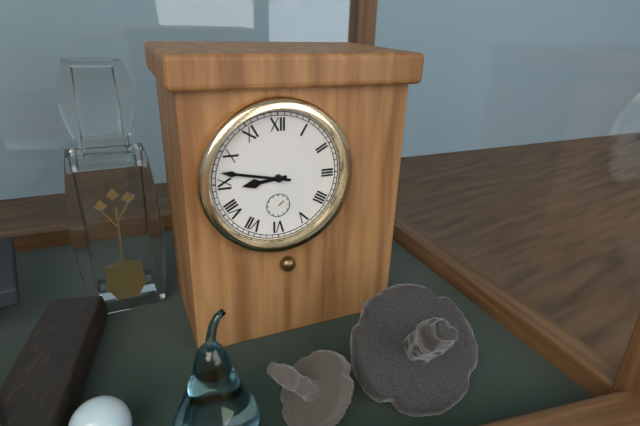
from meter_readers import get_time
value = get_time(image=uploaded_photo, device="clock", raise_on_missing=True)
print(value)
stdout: 8:47
